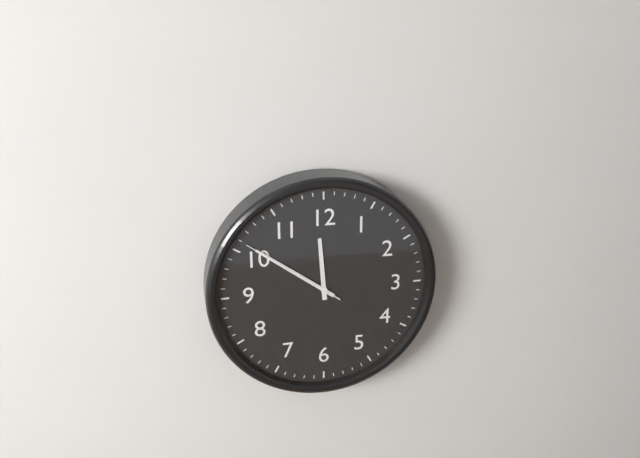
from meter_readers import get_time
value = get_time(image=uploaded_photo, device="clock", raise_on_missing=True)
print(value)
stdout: 11:51:51
